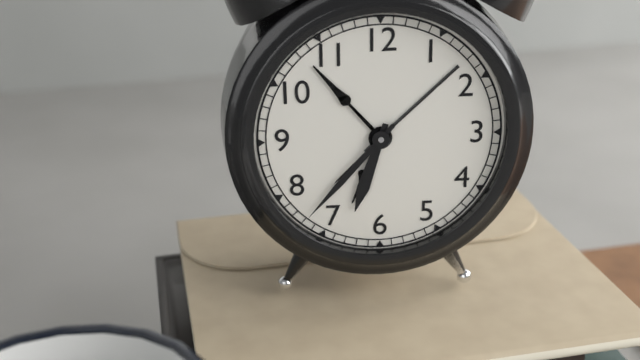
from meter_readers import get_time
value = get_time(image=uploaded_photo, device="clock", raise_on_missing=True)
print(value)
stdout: 6:37
